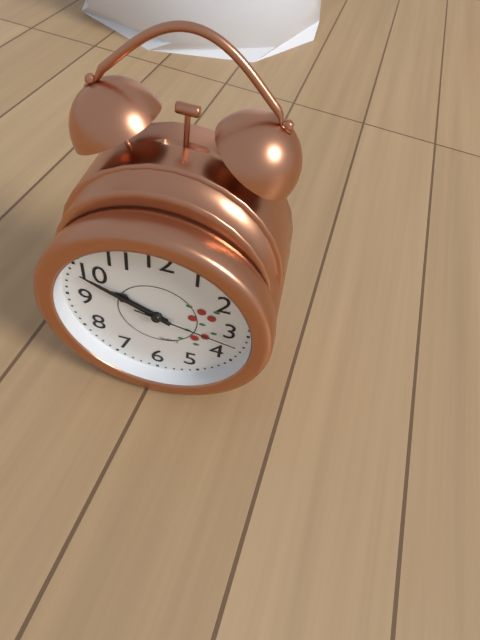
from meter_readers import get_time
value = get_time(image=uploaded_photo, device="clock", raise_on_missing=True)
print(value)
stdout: 9:49:17
